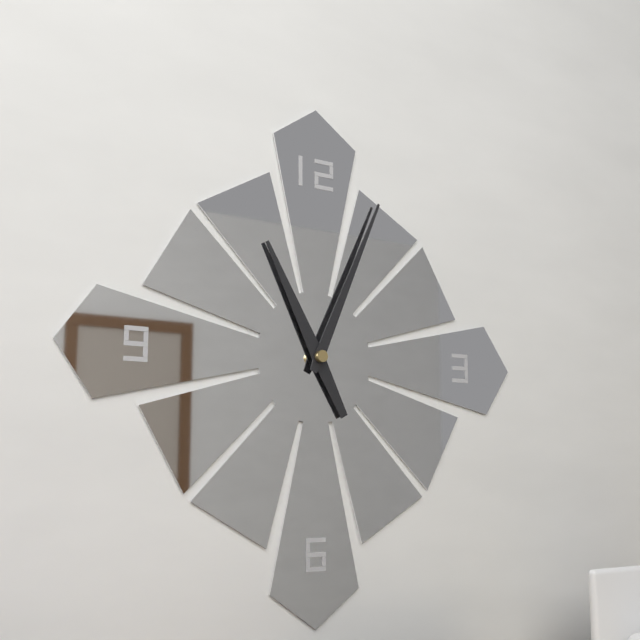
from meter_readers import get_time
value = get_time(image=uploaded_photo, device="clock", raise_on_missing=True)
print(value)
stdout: 11:04
